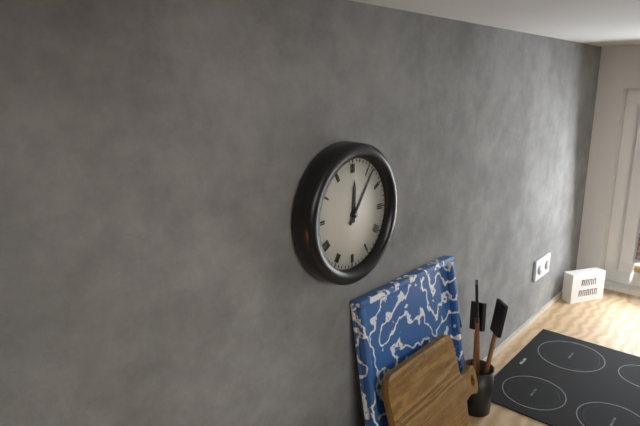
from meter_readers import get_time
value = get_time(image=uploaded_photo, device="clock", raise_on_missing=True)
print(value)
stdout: 12:06
